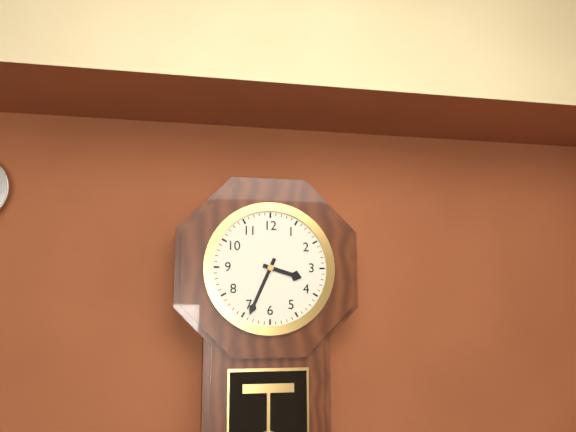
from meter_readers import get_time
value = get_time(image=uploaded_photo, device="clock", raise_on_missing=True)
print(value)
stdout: 3:34
